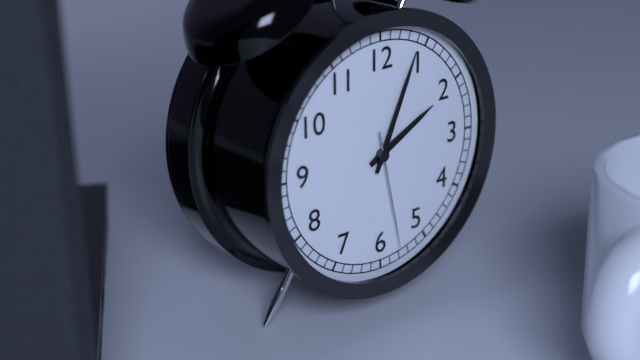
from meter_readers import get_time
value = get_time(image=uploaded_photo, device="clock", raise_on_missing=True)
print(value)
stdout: 2:04:28
